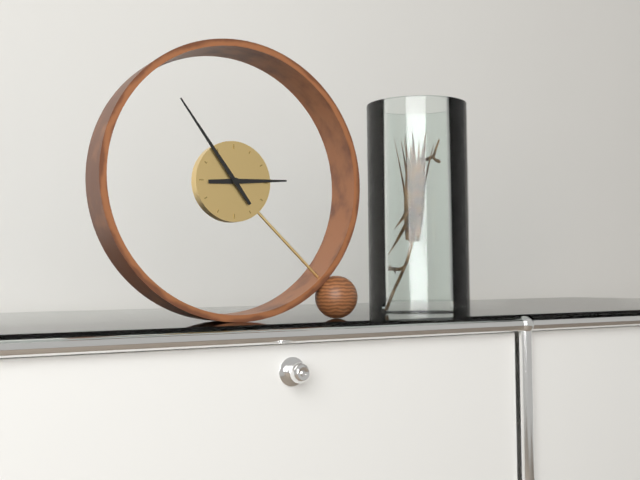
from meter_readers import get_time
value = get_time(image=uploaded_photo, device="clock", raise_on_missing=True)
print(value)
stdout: 2:54
